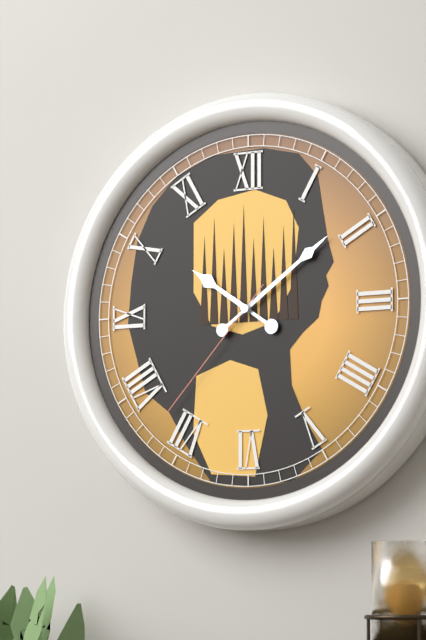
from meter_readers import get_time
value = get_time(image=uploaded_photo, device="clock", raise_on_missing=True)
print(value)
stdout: 10:09:37
